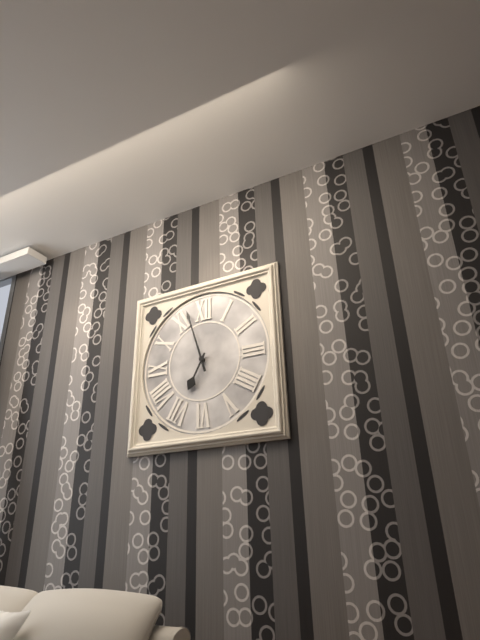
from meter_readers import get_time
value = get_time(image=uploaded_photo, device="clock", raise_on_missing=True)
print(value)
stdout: 6:57
